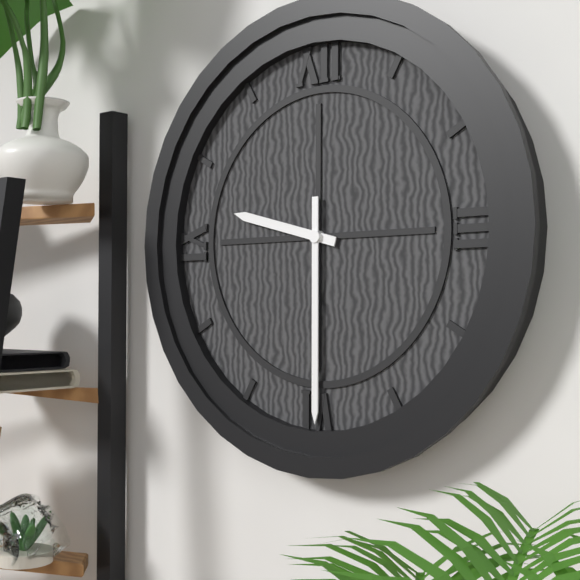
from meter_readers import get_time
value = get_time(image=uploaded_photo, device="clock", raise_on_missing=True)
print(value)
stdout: 9:30
